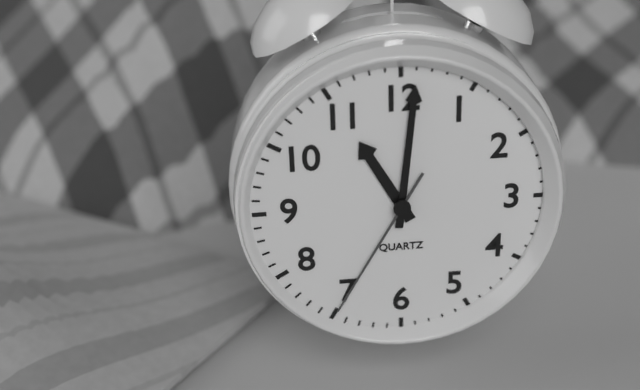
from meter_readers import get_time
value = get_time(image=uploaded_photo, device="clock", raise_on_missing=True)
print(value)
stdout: 11:01:35
